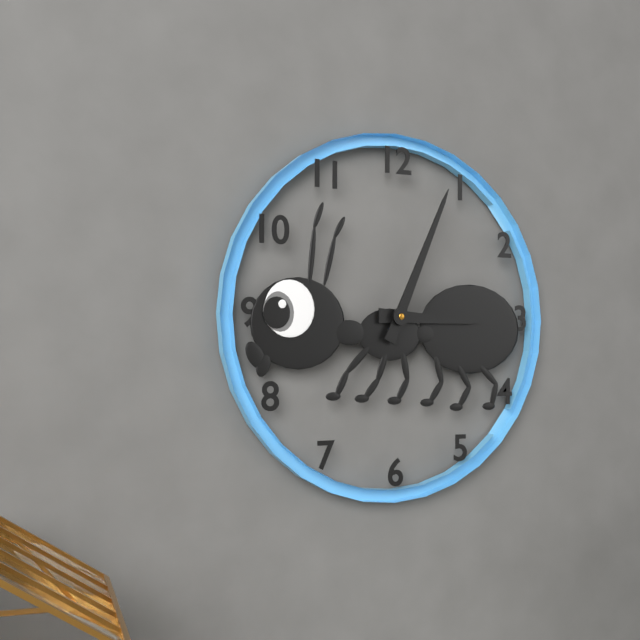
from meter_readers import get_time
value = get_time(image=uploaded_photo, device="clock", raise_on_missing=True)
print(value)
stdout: 3:04
